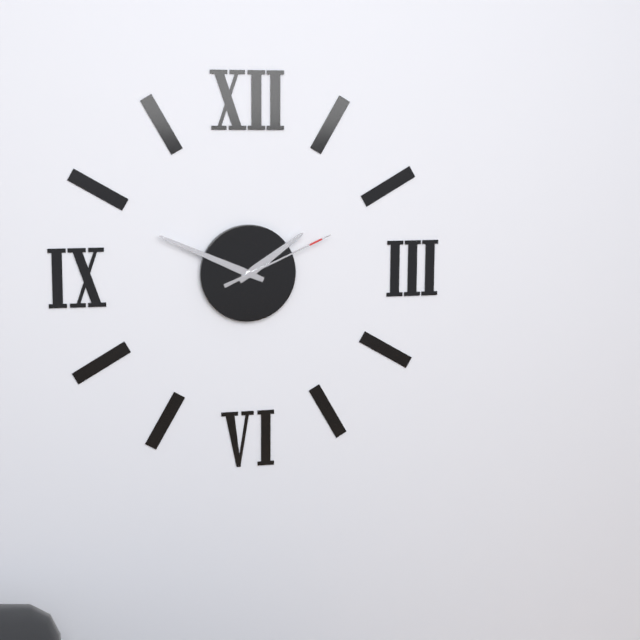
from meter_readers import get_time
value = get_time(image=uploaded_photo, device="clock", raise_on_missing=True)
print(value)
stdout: 1:49:11
